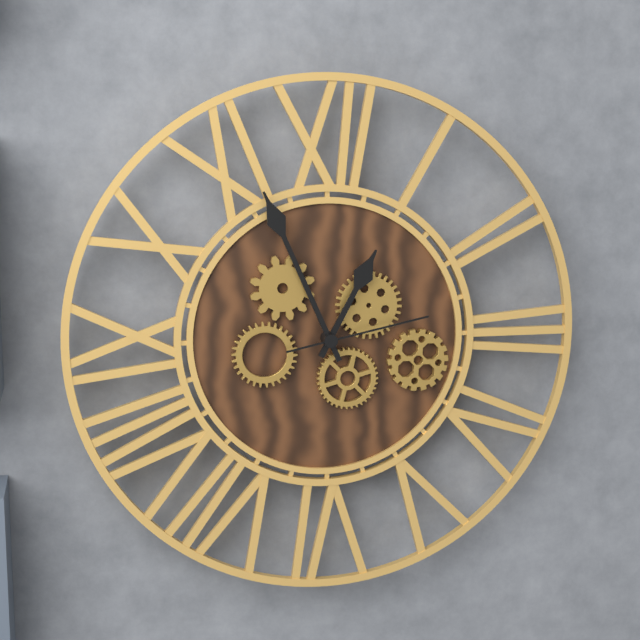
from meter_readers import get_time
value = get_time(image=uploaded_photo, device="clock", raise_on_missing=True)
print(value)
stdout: 12:56:13
